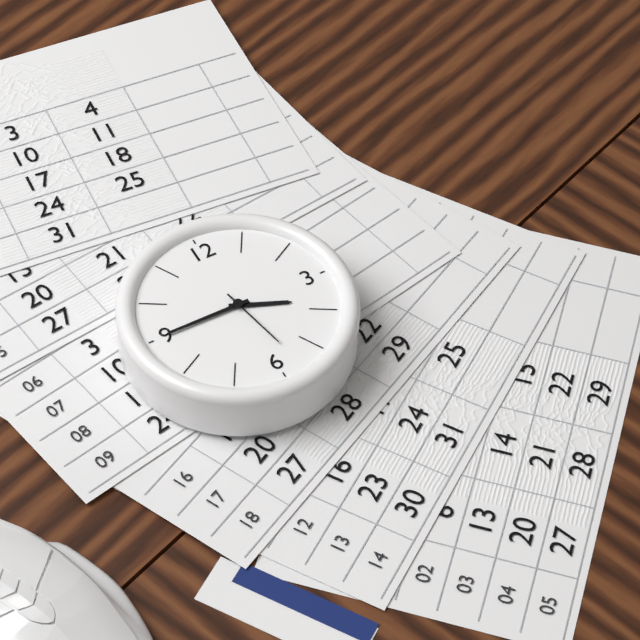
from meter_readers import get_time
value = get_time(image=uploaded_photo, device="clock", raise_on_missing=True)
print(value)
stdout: 3:45:28
